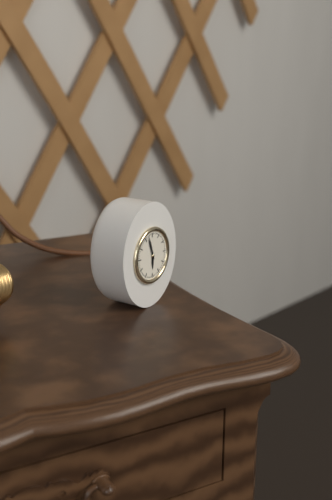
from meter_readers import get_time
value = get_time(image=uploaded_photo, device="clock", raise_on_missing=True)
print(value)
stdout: 5:57
